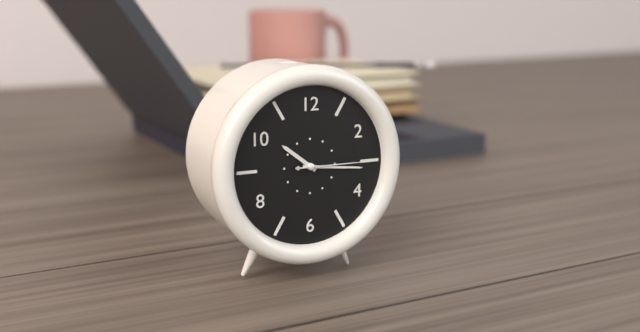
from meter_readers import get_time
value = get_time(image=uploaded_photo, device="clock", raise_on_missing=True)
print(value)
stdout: 10:16:15
